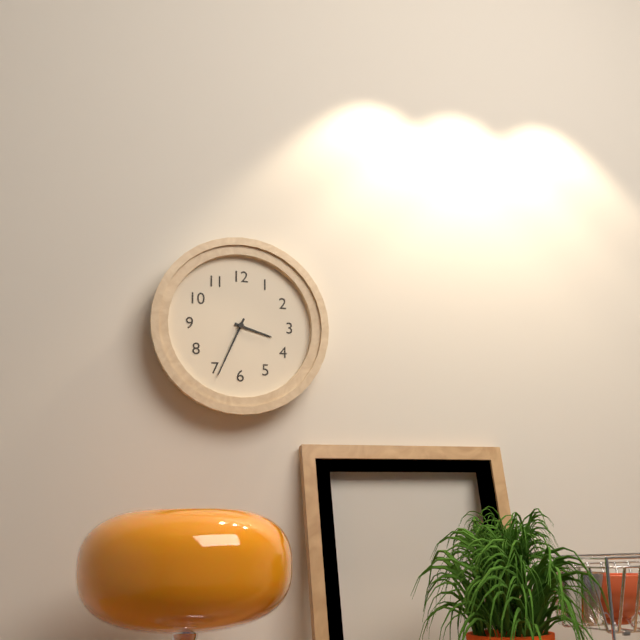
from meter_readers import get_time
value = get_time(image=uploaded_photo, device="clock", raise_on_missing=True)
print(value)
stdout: 3:34
